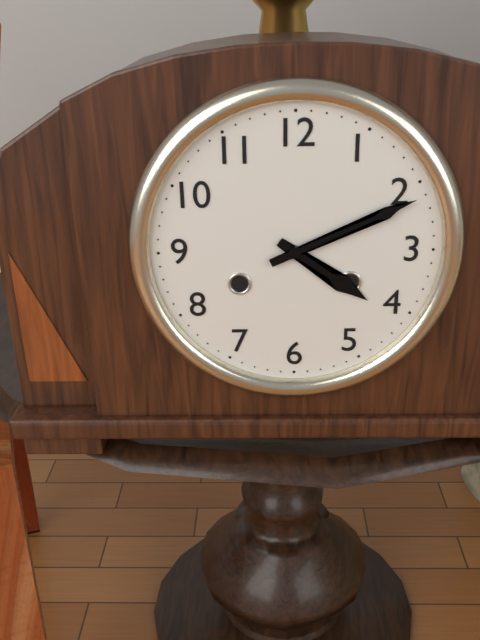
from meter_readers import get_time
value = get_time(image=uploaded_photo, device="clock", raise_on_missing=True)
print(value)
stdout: 4:11
